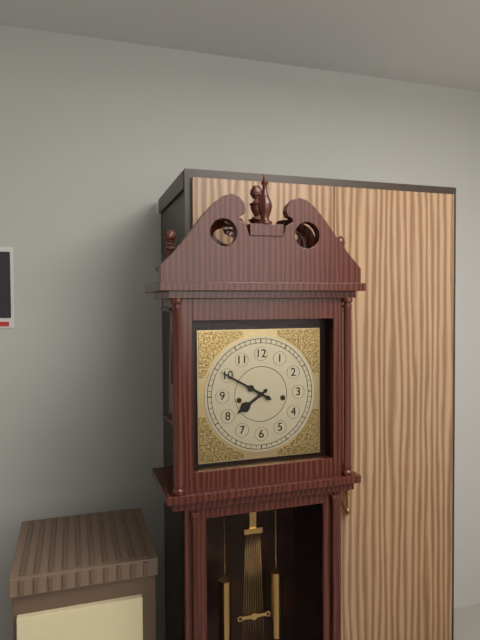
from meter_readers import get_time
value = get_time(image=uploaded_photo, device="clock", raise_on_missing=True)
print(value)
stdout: 7:50
